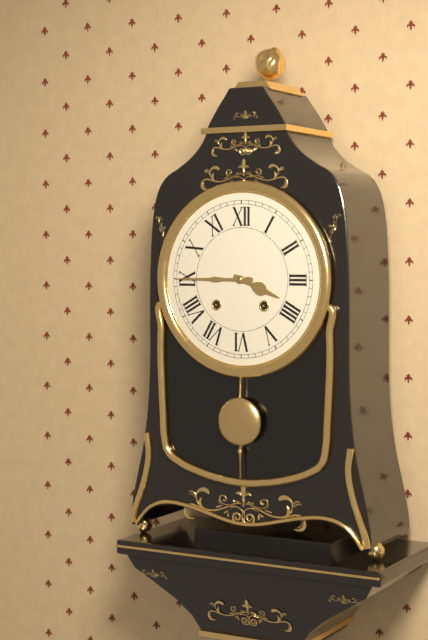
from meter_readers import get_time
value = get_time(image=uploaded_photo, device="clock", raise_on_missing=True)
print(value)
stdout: 3:45
